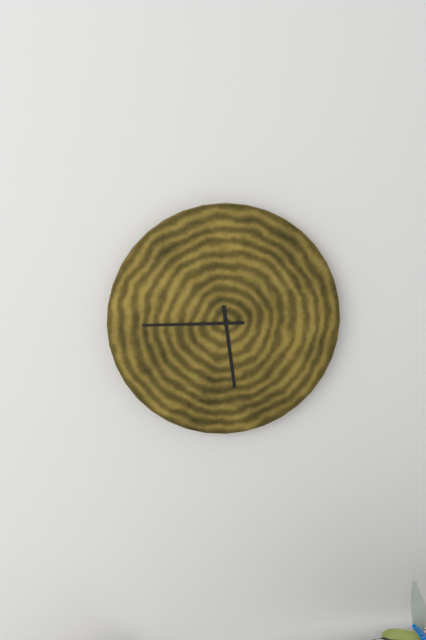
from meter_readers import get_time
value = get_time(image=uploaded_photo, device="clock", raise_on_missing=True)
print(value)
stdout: 5:45
